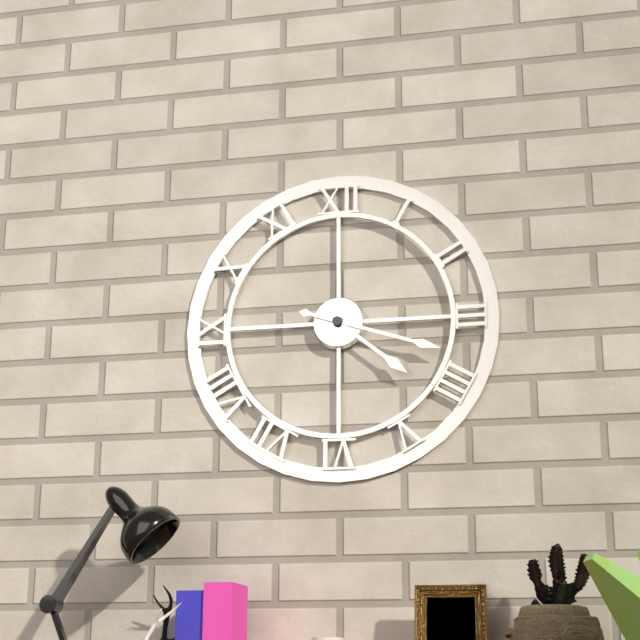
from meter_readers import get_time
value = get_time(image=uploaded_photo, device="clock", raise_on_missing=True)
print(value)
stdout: 4:18
